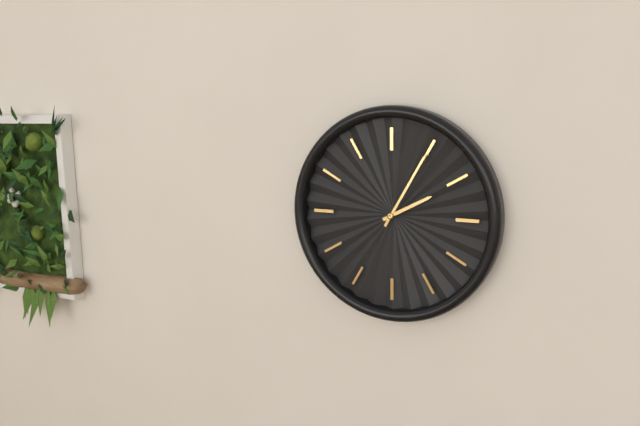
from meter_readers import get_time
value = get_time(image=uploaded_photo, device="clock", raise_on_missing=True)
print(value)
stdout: 2:05
